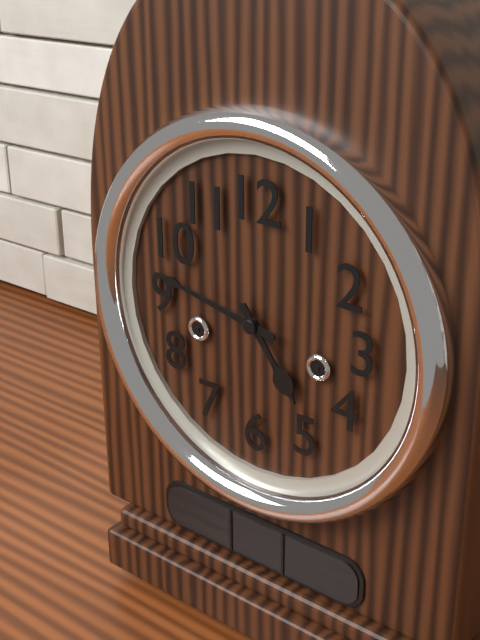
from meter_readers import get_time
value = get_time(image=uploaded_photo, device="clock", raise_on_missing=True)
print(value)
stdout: 4:47
